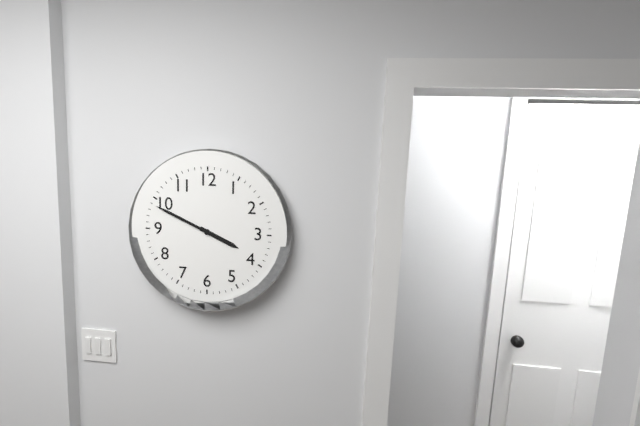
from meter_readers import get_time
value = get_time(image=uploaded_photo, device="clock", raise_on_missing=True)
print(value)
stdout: 3:49
